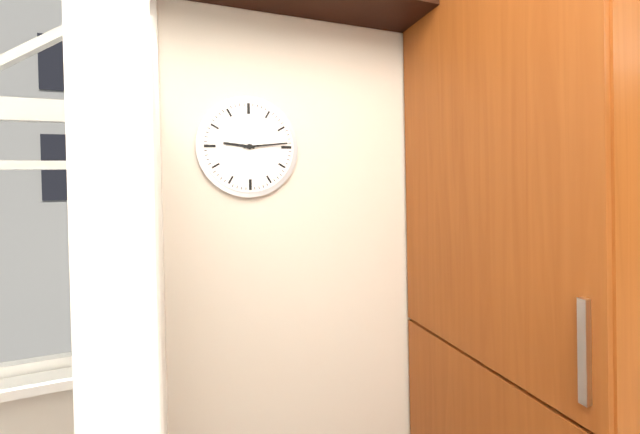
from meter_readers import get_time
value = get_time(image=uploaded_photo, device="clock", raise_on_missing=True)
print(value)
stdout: 9:14
